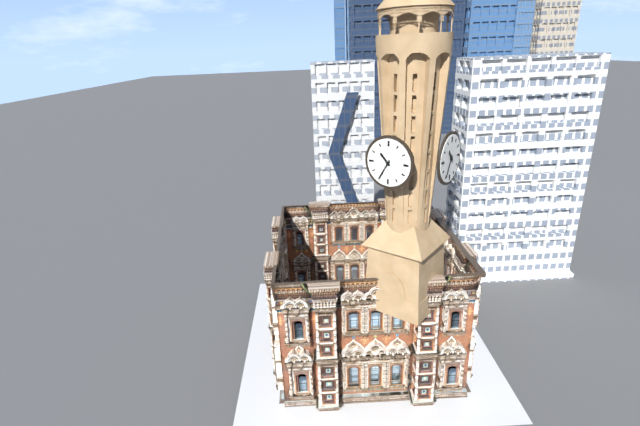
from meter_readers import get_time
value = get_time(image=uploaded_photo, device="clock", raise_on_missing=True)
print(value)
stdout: 10:35
